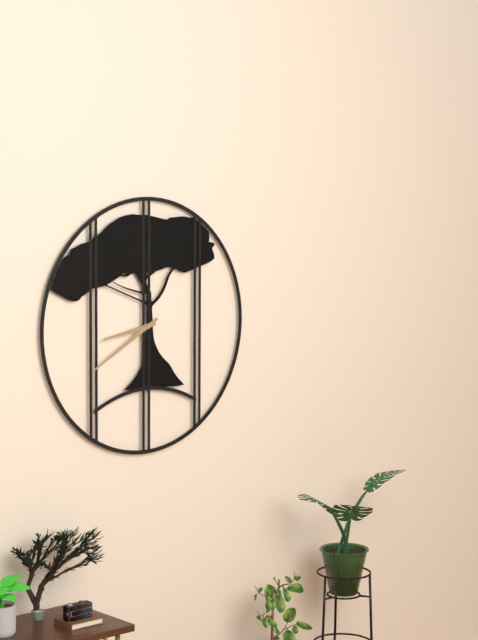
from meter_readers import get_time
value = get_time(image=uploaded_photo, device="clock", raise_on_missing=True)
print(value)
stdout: 8:40
